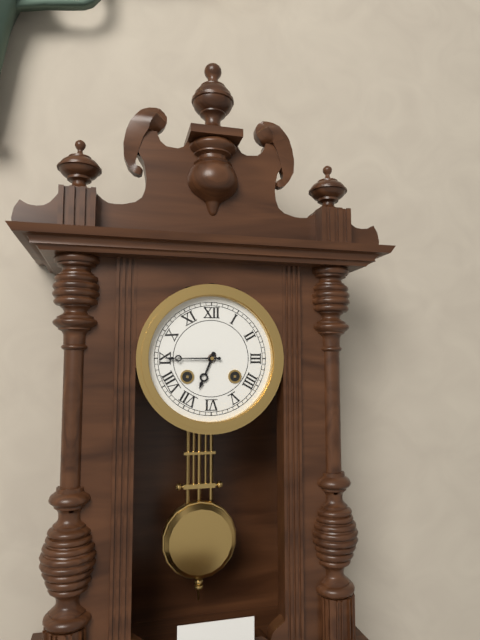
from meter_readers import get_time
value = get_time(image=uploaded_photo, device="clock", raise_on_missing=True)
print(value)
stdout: 6:45
